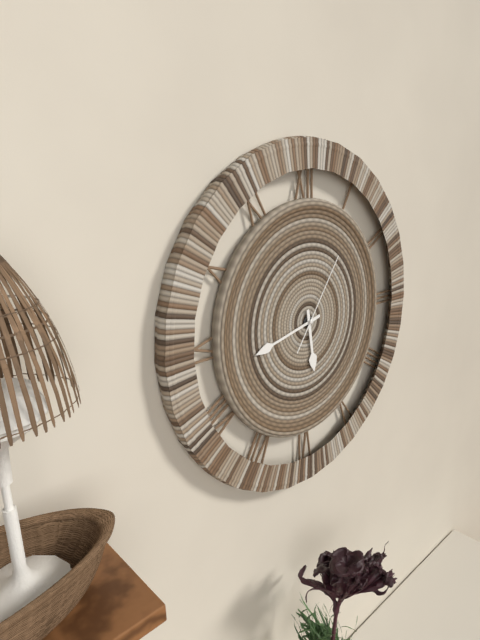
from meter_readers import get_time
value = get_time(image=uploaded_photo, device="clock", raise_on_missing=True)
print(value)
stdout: 5:43:06
